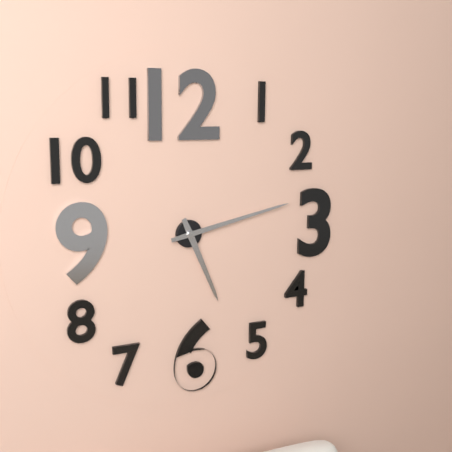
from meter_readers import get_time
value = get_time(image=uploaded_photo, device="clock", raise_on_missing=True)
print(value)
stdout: 5:13
